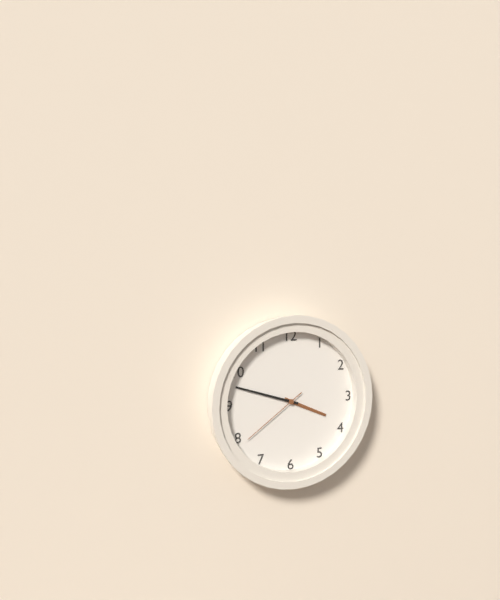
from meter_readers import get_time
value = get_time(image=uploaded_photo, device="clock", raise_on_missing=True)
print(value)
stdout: 3:48:39
